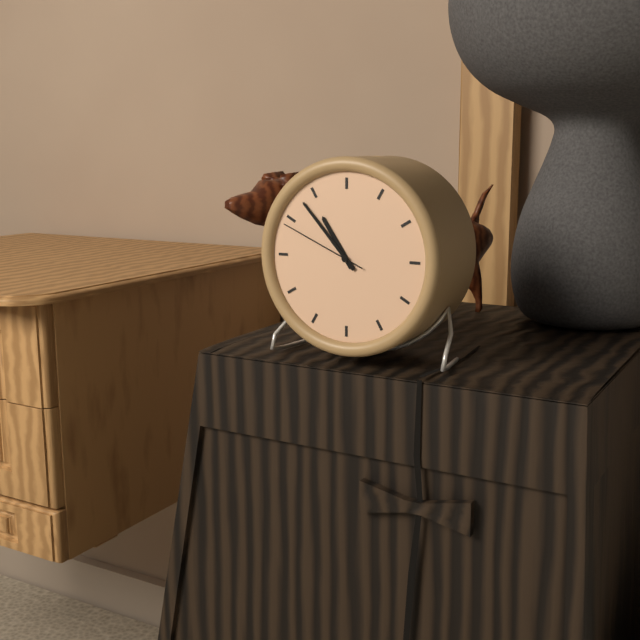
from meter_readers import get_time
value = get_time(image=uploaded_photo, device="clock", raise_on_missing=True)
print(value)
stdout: 10:53:49
